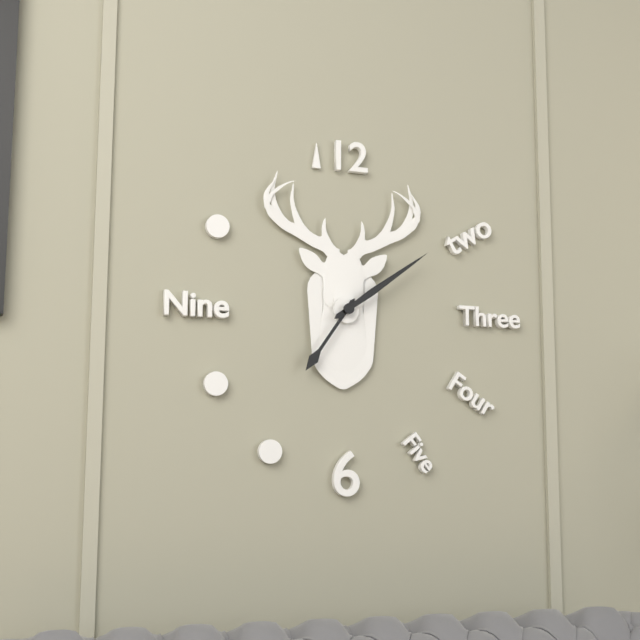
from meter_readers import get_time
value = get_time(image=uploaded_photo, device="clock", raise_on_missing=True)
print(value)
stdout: 7:09
